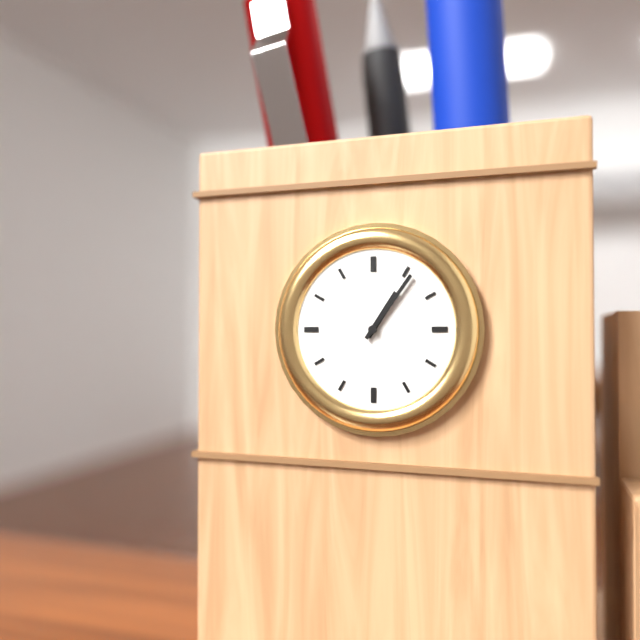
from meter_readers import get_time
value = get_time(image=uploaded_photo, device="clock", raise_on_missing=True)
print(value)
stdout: 1:06
